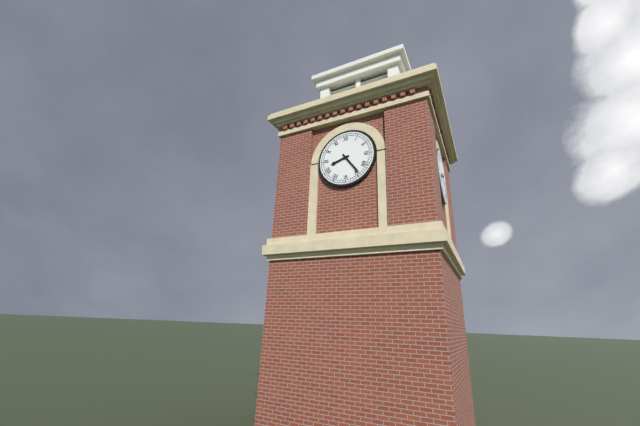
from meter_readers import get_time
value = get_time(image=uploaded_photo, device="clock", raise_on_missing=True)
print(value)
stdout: 8:24
